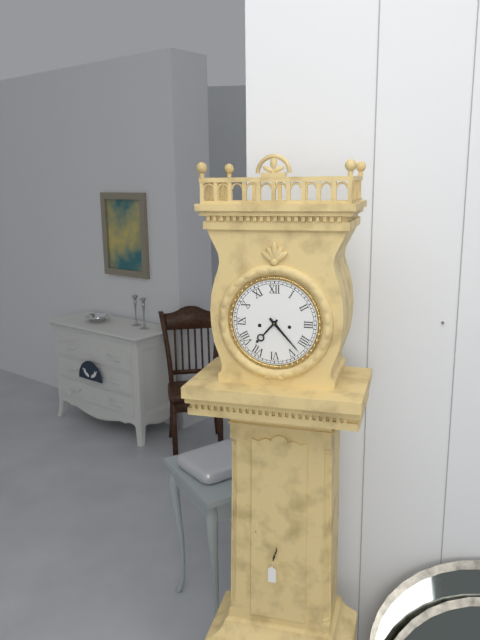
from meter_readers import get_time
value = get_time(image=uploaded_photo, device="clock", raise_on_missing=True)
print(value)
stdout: 7:23
